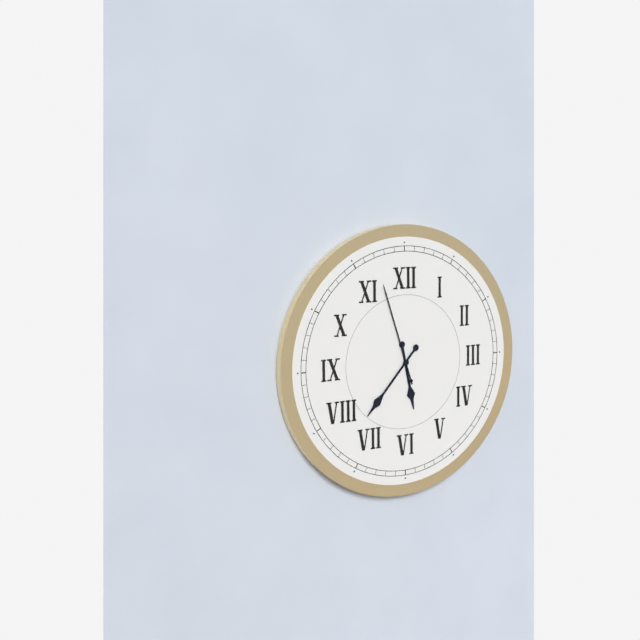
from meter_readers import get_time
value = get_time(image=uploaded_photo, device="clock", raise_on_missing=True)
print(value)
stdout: 5:37:57
